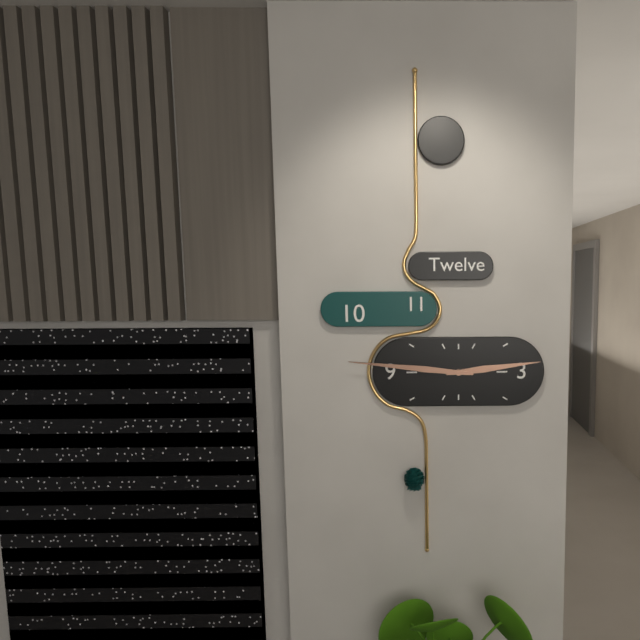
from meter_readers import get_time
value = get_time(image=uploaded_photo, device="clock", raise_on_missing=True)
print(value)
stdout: 2:46
